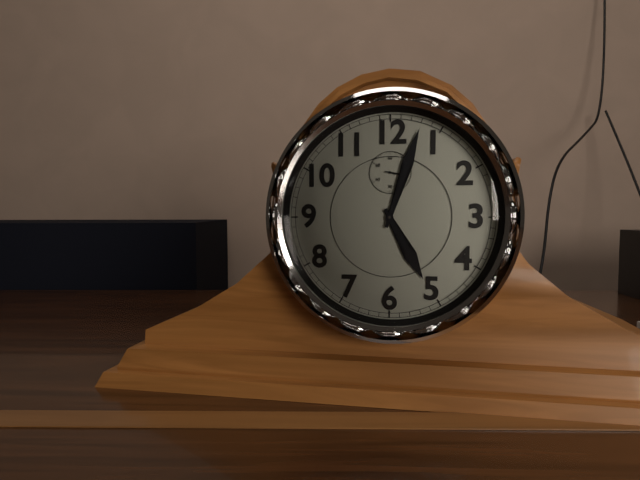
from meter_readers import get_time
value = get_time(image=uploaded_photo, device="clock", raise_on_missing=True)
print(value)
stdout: 5:03
